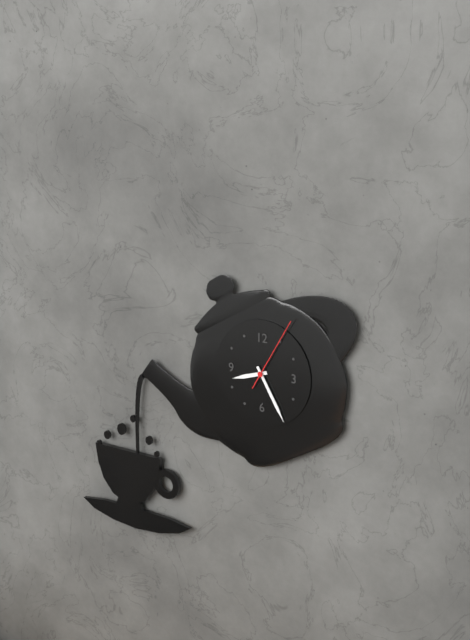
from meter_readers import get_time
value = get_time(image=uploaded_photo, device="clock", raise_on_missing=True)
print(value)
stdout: 8:25:05
